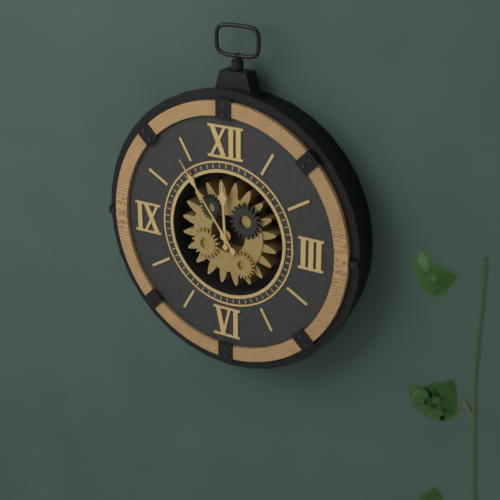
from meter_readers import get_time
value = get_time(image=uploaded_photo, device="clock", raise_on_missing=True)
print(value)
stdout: 11:54
